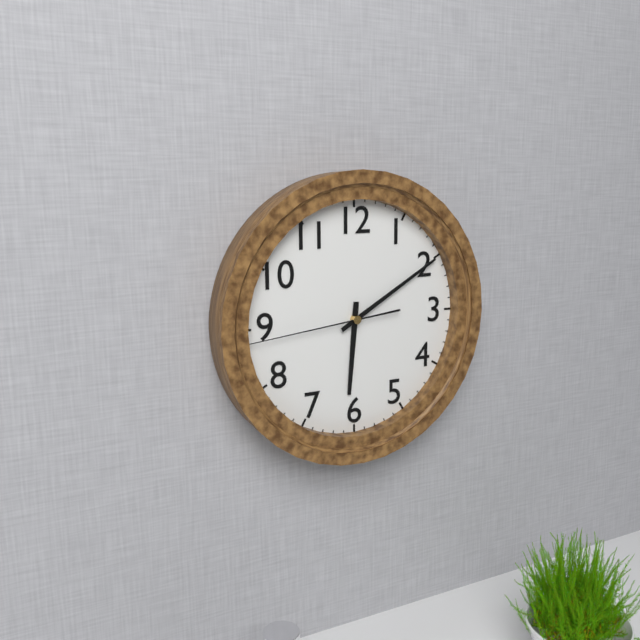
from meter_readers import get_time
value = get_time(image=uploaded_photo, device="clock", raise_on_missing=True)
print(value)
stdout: 6:10:44
